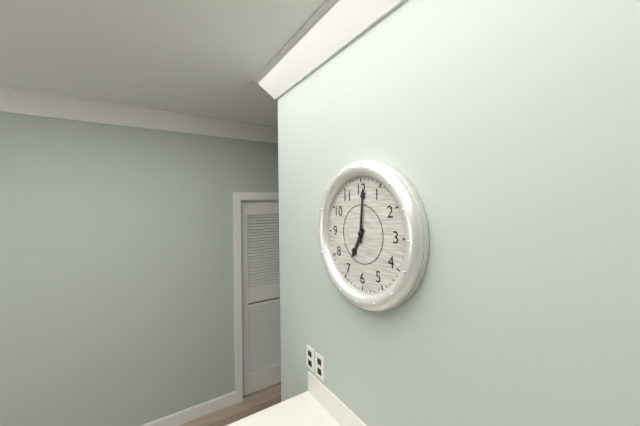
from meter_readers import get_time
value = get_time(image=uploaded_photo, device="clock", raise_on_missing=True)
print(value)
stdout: 7:01
